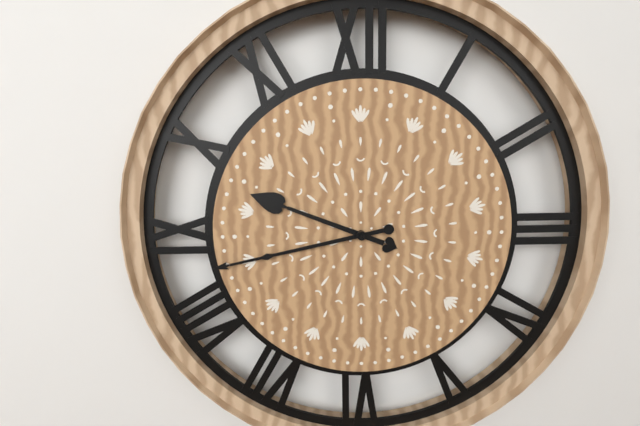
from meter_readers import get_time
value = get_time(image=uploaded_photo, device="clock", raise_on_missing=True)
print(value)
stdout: 9:43
